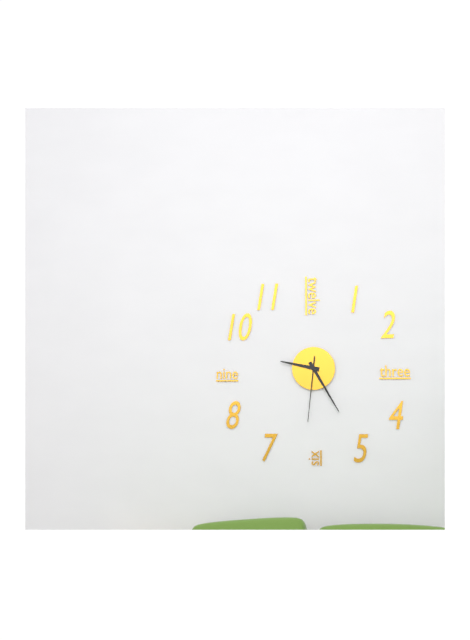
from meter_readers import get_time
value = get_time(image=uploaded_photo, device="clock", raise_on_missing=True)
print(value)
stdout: 9:25:31
